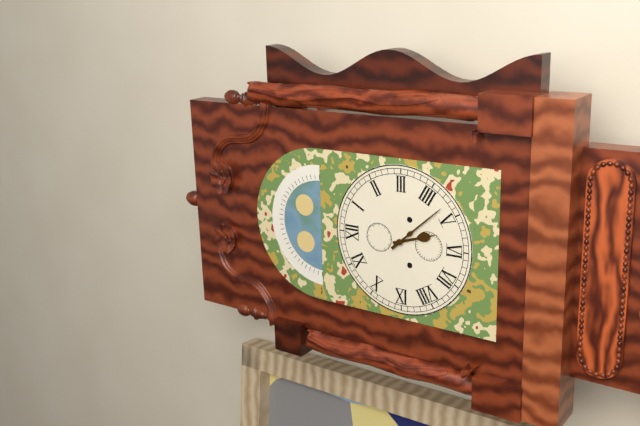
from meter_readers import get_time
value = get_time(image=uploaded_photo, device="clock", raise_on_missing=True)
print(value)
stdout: 5:23
